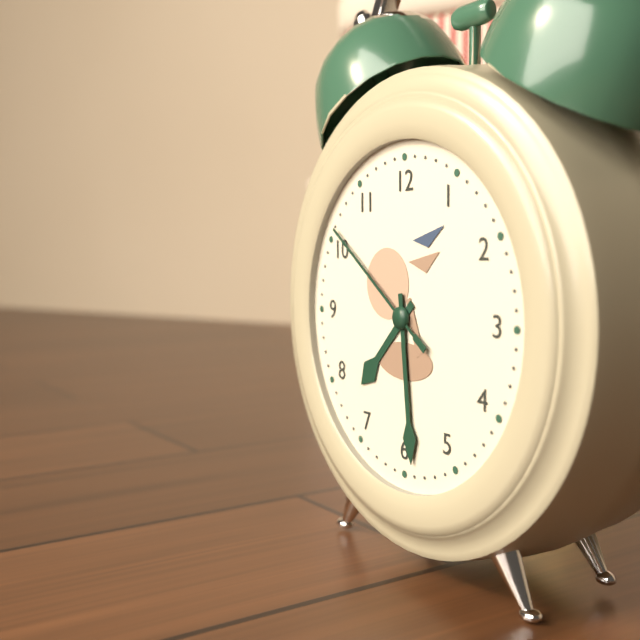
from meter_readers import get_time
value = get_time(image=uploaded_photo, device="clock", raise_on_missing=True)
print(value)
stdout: 7:29:51
